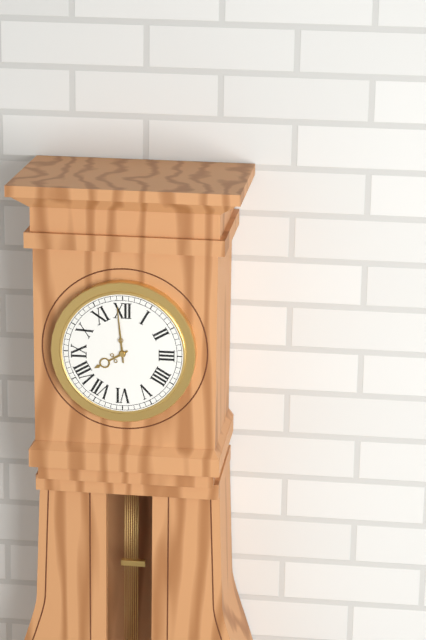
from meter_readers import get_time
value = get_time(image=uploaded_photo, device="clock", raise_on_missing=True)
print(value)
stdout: 7:59
